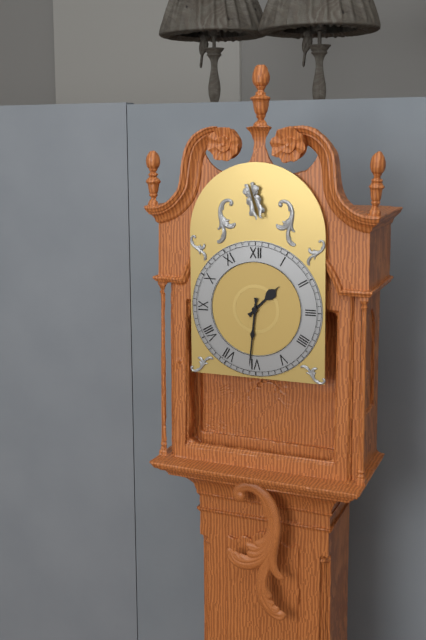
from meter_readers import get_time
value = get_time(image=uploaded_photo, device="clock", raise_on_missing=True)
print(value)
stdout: 1:31
